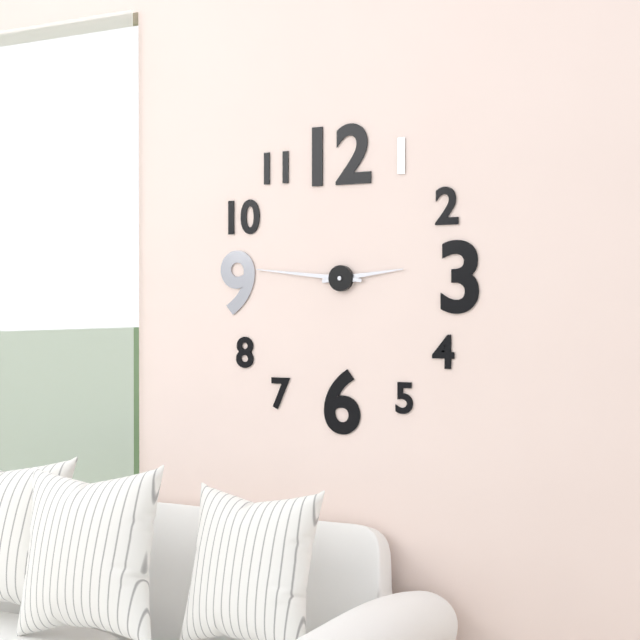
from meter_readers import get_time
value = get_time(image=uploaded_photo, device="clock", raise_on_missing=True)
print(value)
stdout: 2:46
